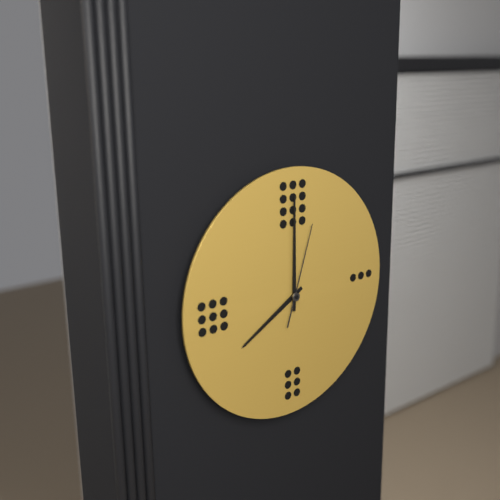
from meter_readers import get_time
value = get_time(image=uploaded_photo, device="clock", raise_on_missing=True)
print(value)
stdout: 8:00:03
